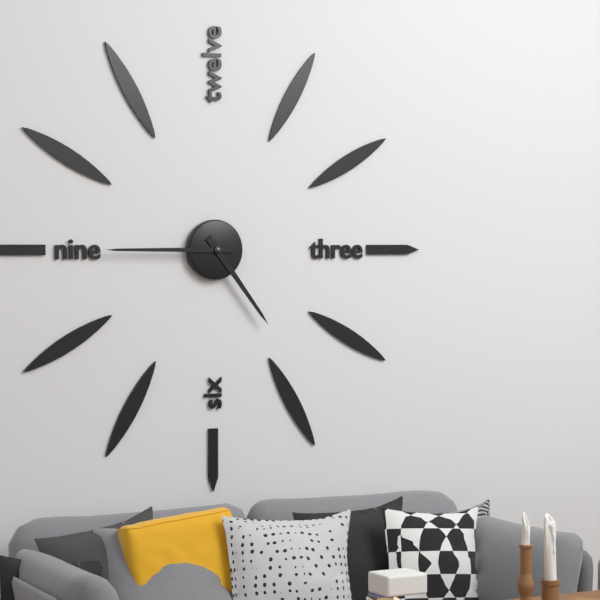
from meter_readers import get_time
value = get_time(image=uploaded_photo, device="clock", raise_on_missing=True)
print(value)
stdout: 4:45
